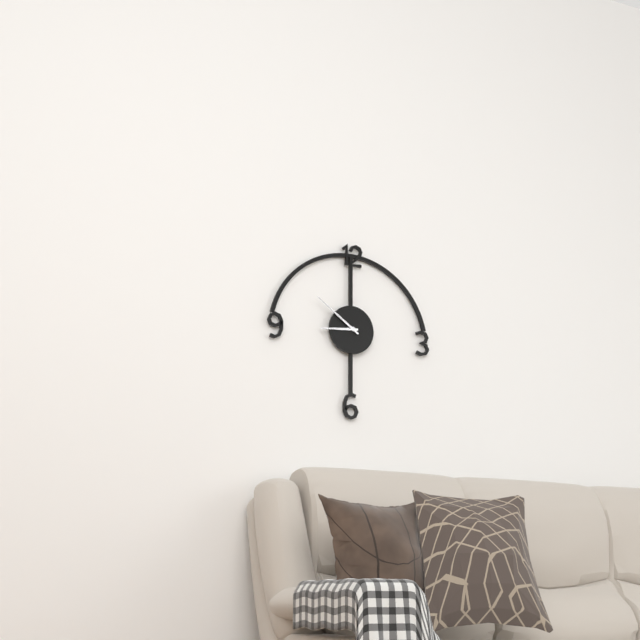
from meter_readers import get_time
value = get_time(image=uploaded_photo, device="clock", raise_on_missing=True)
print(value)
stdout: 8:51
